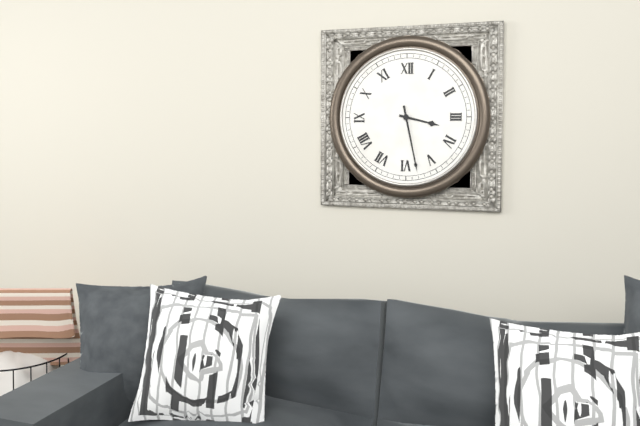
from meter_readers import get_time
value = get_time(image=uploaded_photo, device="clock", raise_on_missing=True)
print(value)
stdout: 3:28
